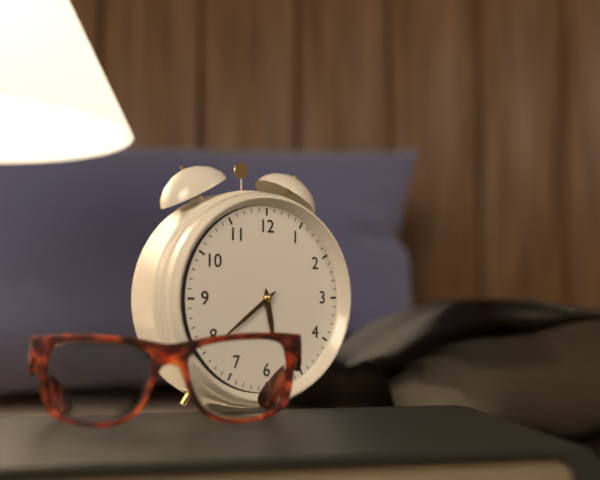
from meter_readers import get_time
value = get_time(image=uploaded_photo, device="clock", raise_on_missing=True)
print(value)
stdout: 5:39
